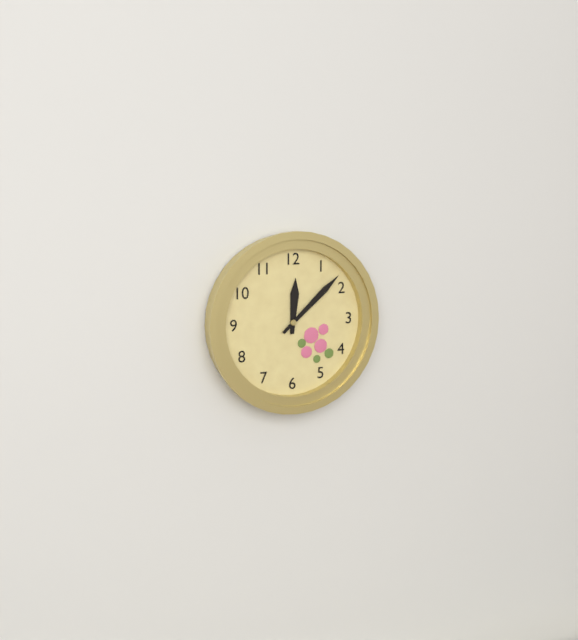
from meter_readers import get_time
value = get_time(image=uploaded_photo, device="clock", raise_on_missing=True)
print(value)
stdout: 12:08
